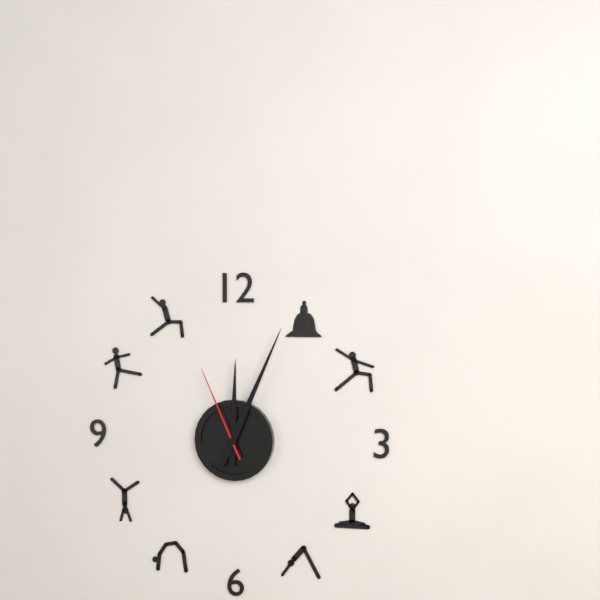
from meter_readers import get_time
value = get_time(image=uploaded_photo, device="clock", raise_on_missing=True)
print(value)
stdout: 12:04:56
